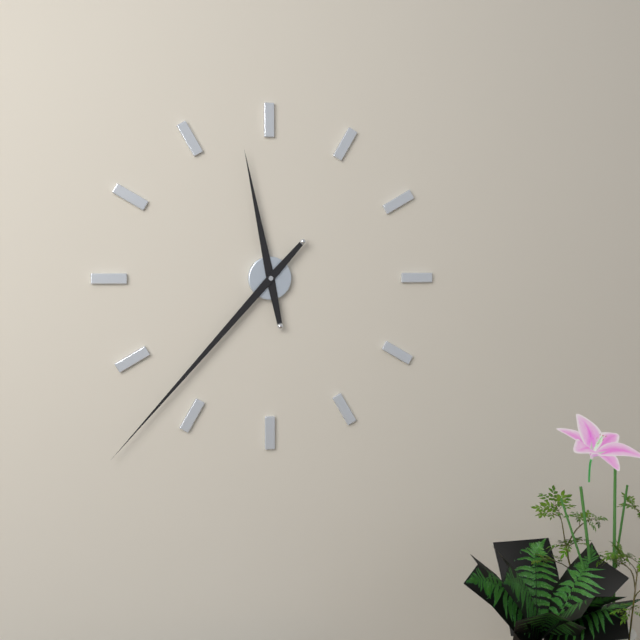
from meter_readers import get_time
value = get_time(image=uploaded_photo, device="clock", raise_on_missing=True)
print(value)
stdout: 11:37
